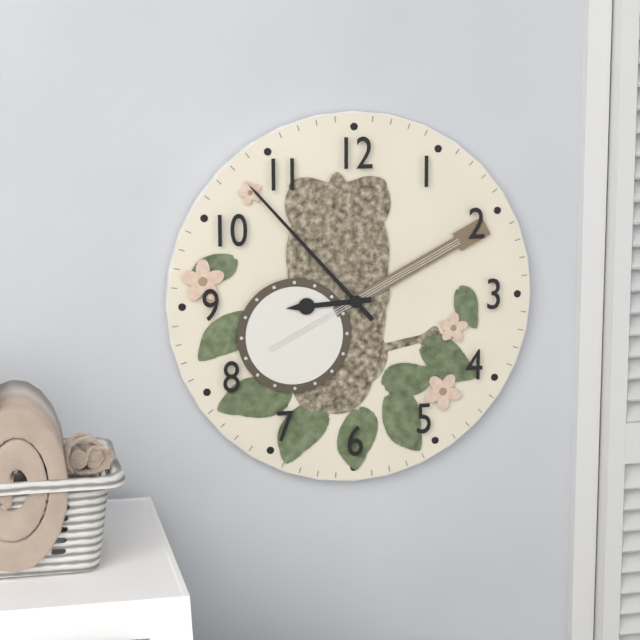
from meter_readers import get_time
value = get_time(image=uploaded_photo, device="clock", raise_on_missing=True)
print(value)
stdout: 8:53
